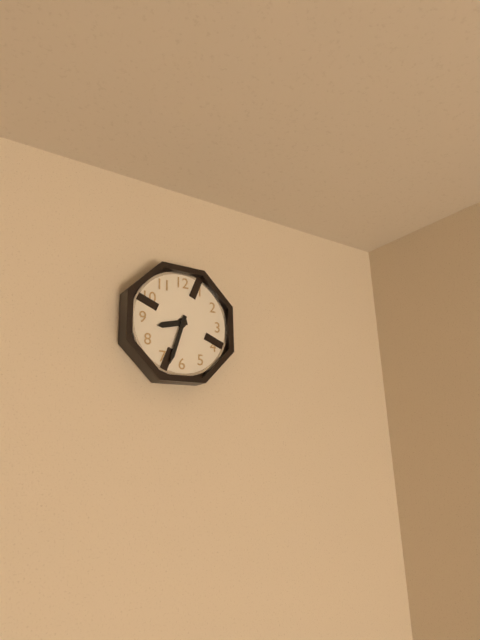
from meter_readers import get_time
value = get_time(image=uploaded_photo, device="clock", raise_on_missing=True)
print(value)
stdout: 8:33
